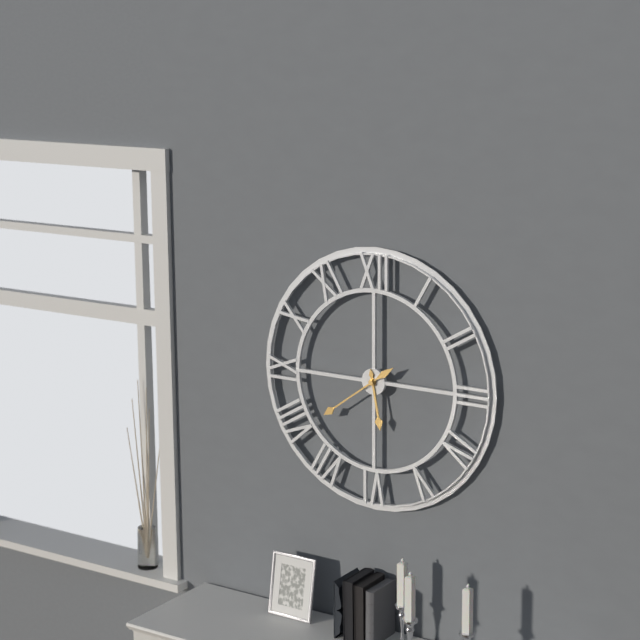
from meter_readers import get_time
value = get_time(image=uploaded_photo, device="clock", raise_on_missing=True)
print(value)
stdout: 5:39
